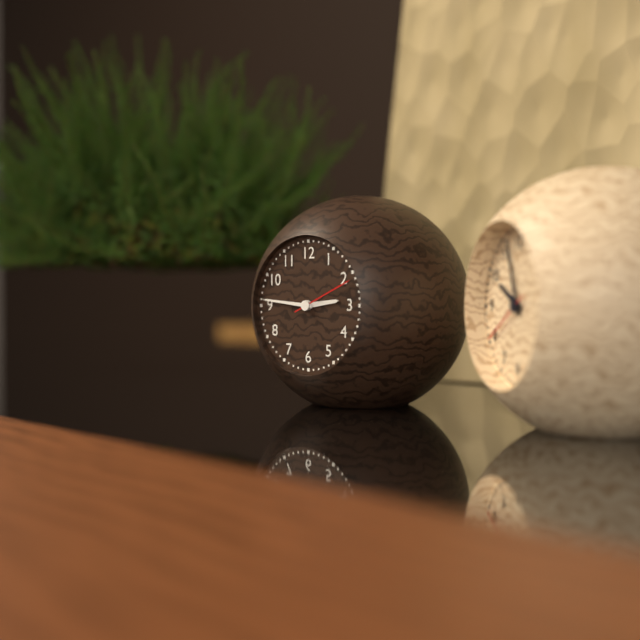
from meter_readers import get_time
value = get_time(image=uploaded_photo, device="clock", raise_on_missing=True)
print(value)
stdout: 2:46:11
